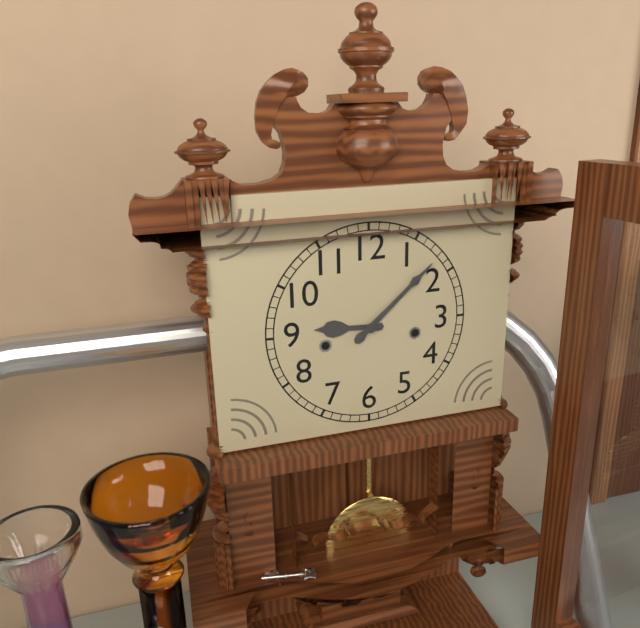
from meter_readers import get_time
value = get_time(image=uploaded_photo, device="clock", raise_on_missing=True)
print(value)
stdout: 9:08
